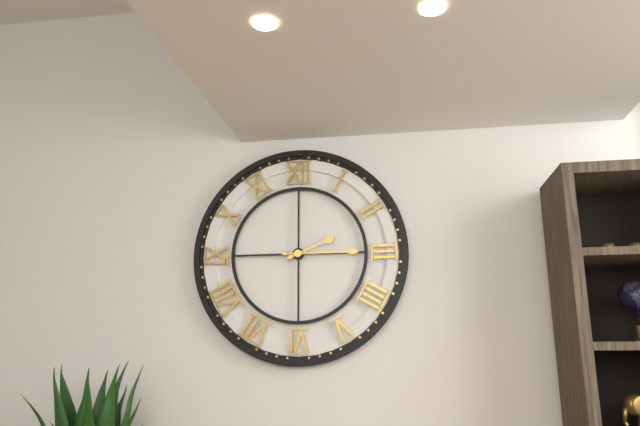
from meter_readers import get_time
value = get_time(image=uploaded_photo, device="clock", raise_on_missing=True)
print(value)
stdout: 2:15
